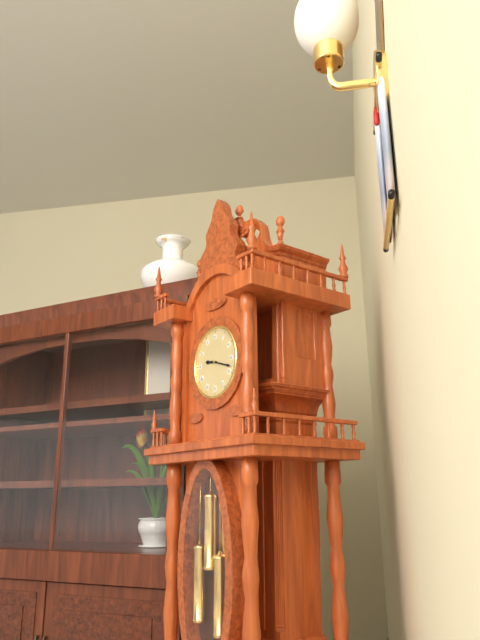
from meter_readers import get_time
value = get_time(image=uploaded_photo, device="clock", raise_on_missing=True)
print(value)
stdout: 9:18
